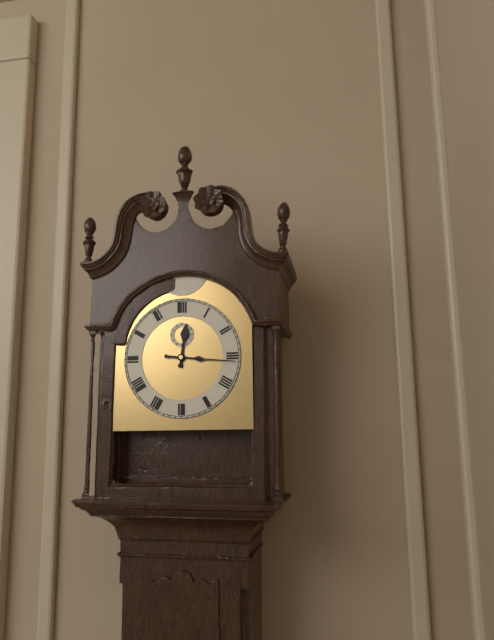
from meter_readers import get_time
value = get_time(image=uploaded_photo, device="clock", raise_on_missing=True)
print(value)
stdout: 12:16
